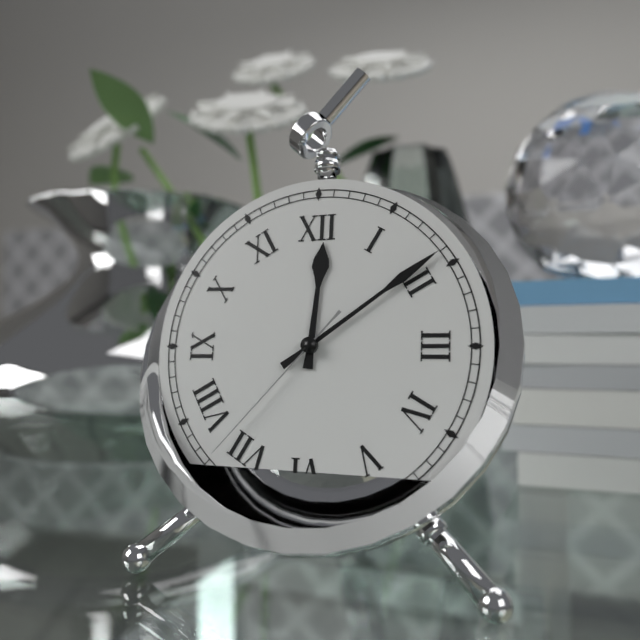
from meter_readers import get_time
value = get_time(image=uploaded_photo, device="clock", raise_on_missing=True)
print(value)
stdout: 12:09:37
